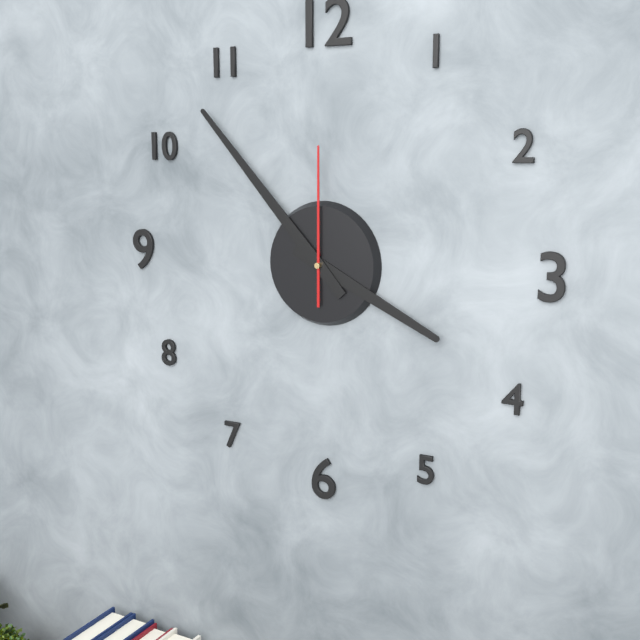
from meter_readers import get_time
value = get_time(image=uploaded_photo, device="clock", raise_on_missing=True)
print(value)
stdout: 3:53:00
